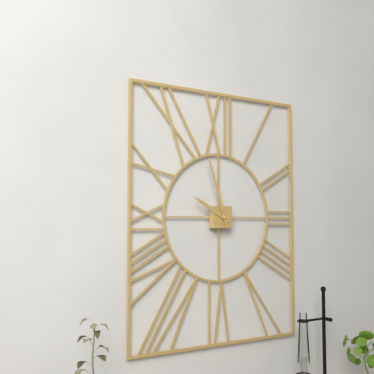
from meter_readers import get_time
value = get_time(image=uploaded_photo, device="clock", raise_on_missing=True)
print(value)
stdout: 9:57
